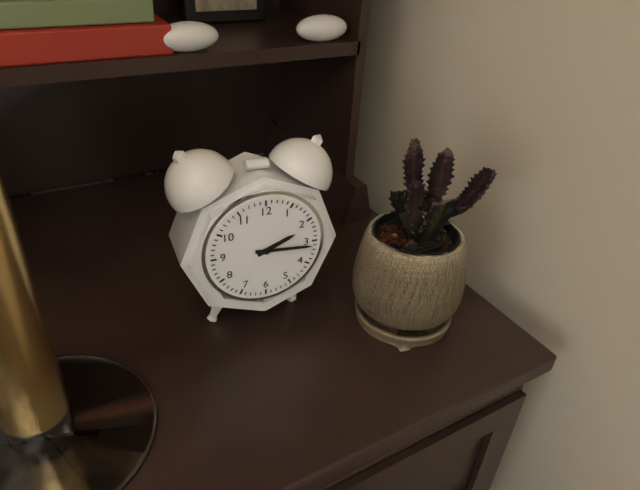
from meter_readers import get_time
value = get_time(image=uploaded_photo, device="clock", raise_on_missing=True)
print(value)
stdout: 2:16
